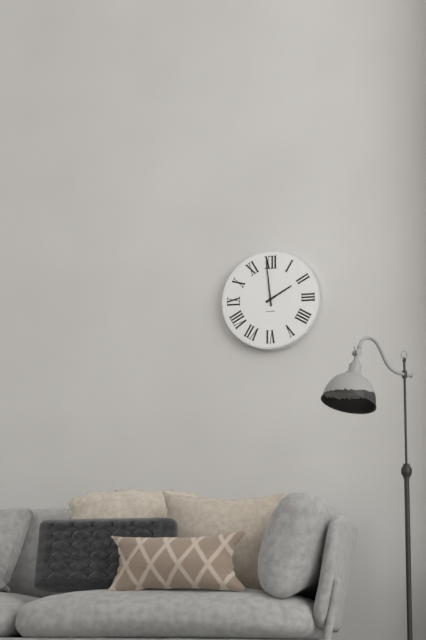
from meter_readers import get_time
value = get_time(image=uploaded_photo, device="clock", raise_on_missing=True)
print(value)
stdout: 1:59
